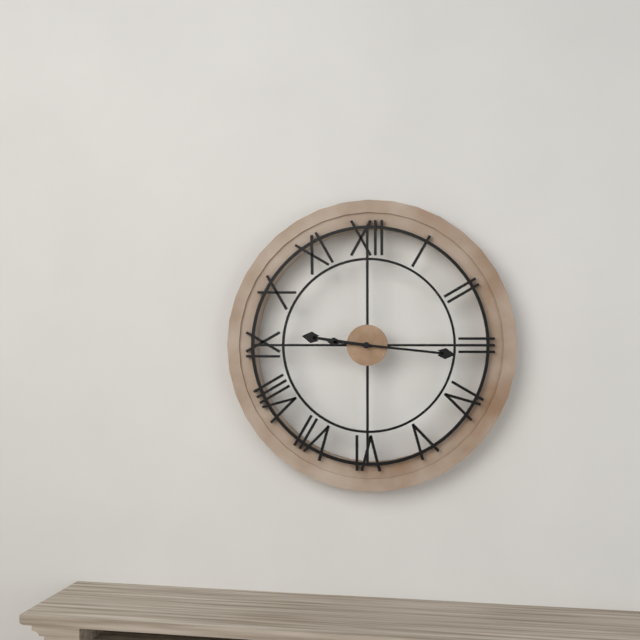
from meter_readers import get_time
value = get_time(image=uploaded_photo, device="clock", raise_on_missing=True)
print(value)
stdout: 9:16
